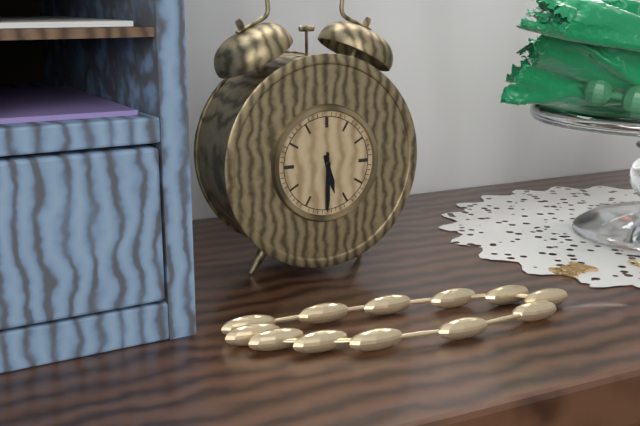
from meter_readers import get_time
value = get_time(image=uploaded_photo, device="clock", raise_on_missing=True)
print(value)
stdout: 5:30
